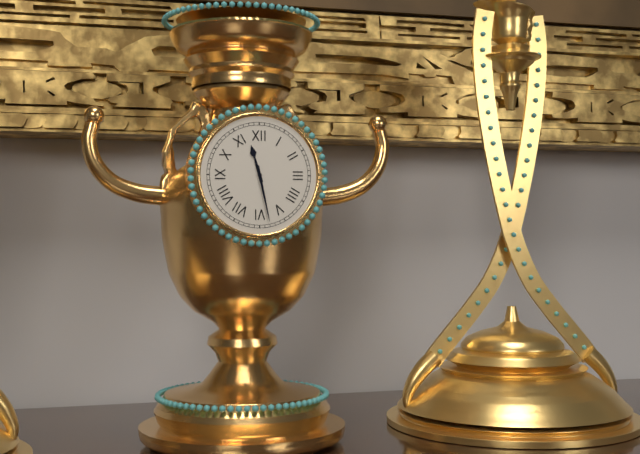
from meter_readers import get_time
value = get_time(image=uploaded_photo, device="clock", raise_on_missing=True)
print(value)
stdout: 11:28
